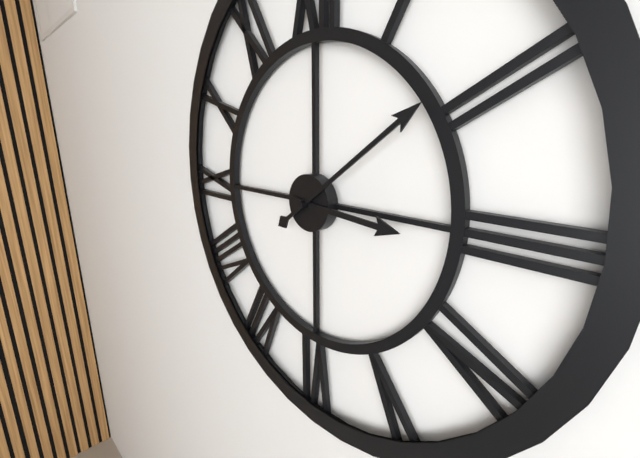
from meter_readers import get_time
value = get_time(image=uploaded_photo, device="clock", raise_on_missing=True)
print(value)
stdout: 3:09
